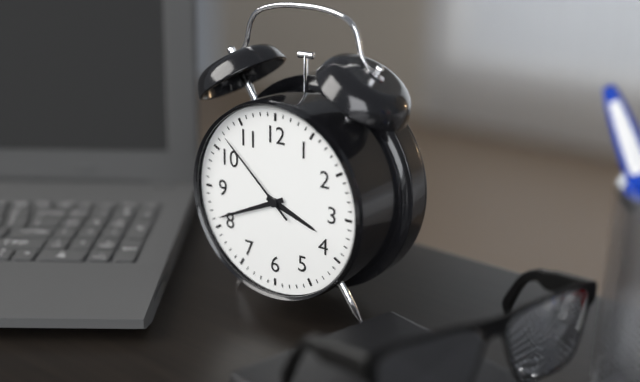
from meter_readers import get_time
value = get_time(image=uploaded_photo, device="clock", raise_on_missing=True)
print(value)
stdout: 3:41:52
